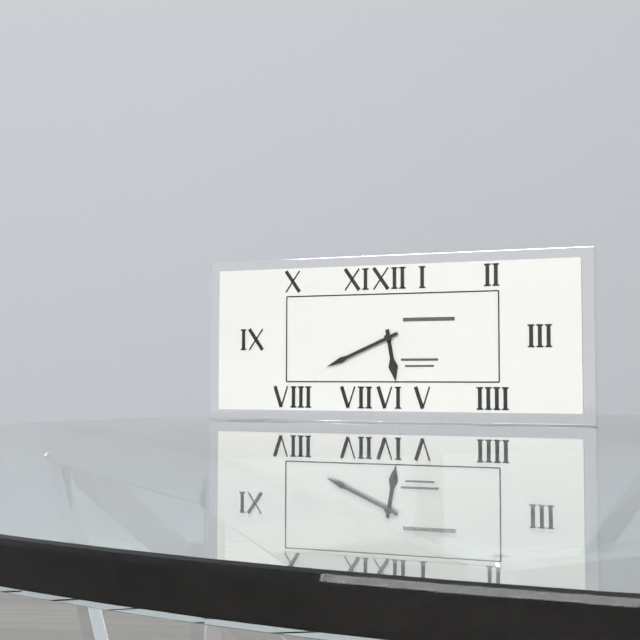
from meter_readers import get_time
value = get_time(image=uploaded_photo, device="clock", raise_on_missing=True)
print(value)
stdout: 5:41
